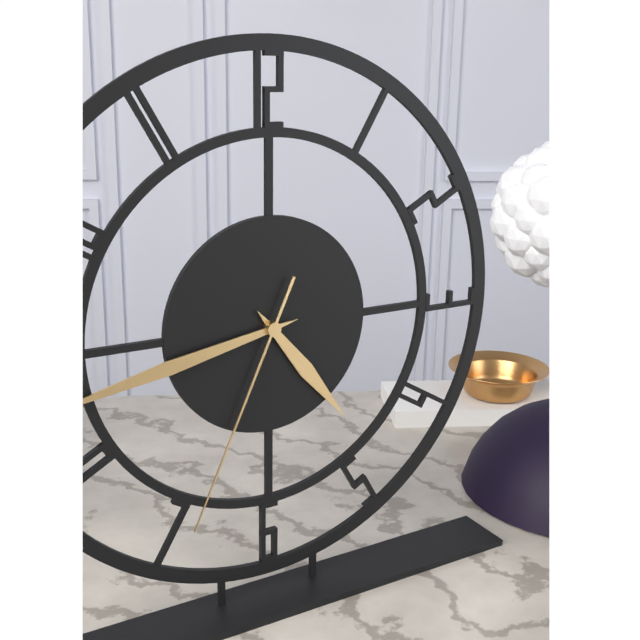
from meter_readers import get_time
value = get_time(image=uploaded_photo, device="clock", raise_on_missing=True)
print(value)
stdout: 4:43:34
